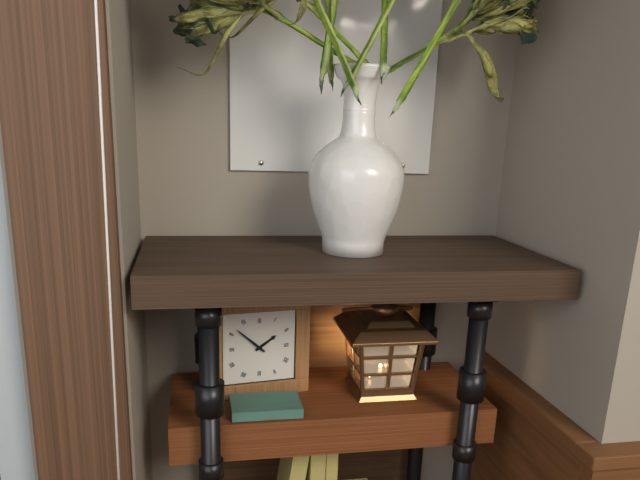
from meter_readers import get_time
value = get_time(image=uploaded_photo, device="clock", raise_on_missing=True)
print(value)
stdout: 1:52
